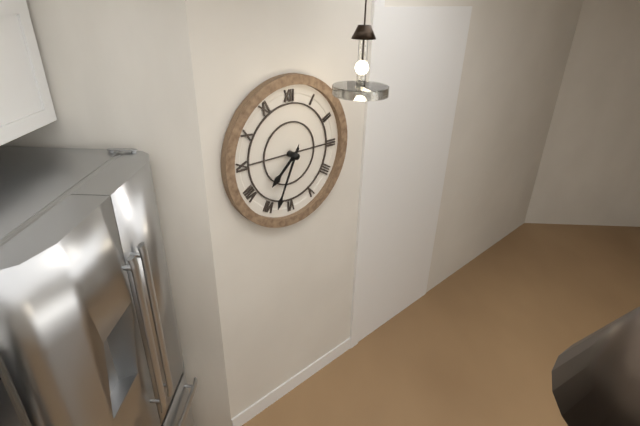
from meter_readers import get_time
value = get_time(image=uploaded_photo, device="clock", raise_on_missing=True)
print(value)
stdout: 7:34
